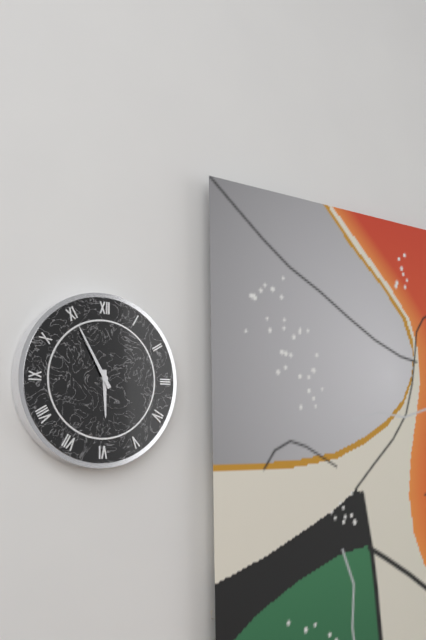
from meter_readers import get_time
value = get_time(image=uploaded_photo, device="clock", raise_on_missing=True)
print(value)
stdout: 5:55
